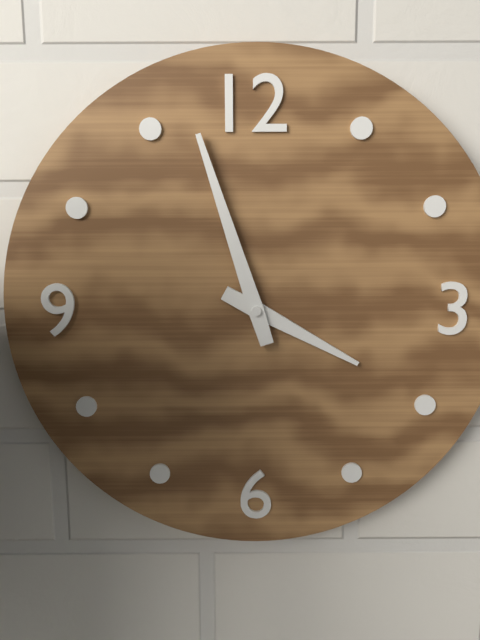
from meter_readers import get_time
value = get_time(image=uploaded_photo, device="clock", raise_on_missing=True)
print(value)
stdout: 3:57
